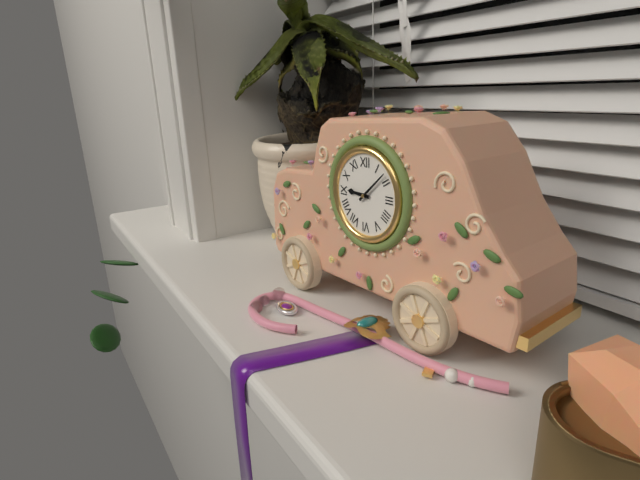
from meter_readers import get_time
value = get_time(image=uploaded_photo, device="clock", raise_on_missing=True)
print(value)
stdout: 9:08
